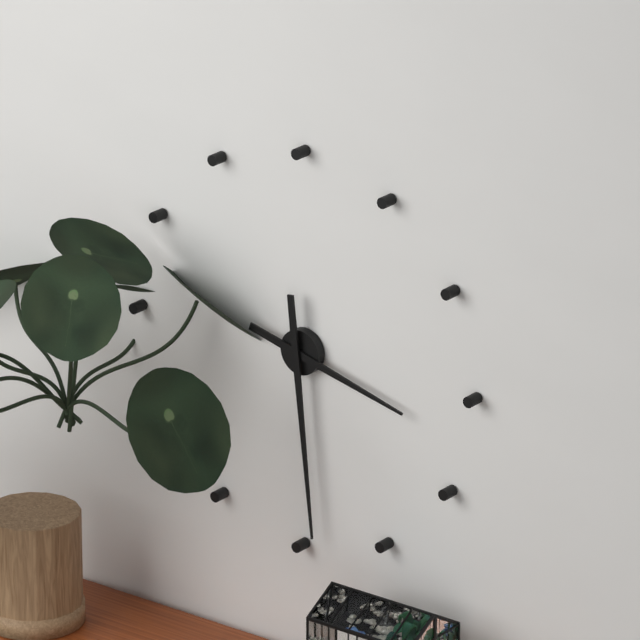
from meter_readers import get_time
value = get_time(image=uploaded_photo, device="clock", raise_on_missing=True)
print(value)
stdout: 3:29
